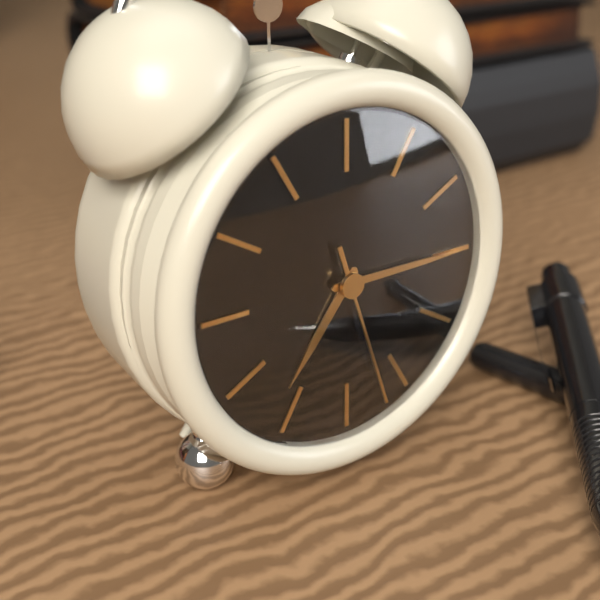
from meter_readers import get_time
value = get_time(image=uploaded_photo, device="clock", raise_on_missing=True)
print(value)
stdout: 7:15:27
